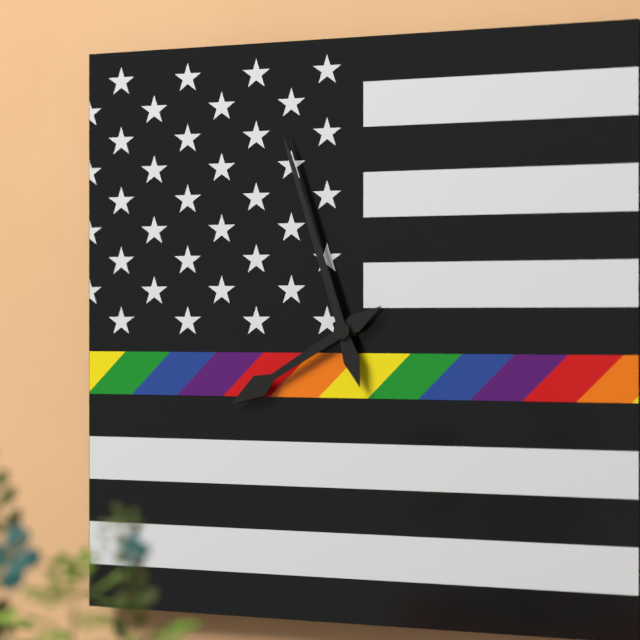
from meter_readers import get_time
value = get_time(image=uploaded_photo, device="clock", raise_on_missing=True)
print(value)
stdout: 7:57
